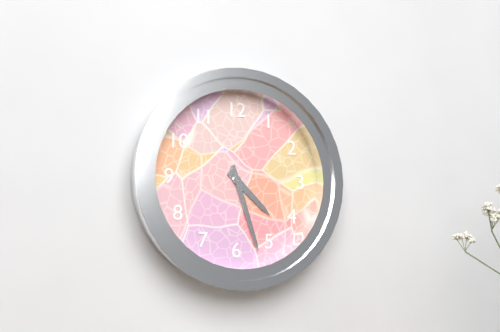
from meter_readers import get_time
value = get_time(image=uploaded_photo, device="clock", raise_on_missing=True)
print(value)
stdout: 4:27
